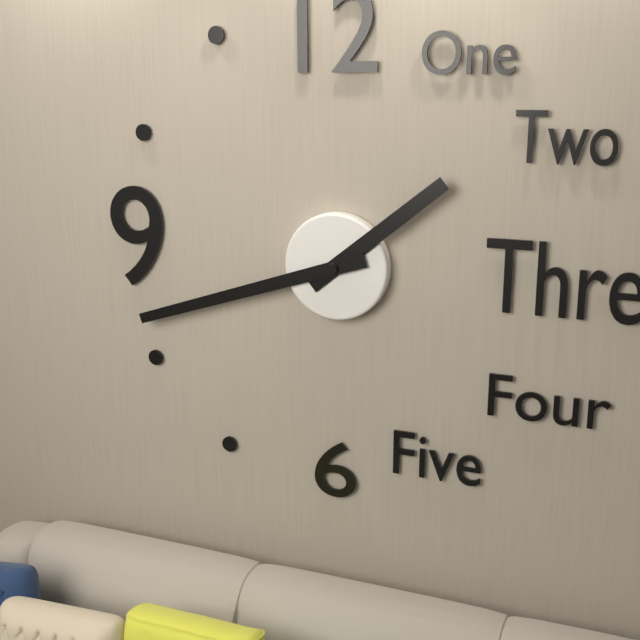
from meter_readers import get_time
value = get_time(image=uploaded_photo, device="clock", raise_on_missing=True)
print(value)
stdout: 1:42
